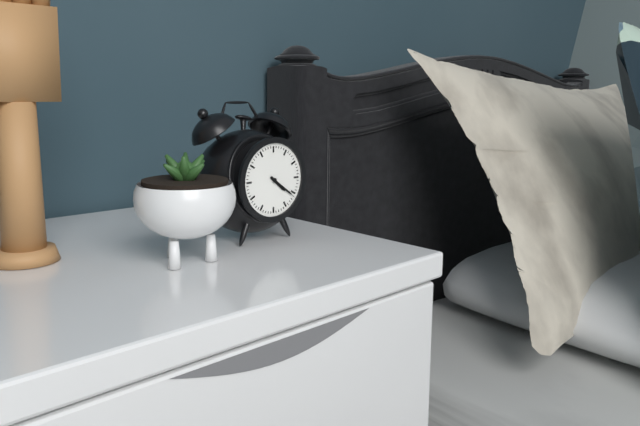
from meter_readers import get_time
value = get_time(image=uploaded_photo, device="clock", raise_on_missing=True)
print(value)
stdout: 4:21
